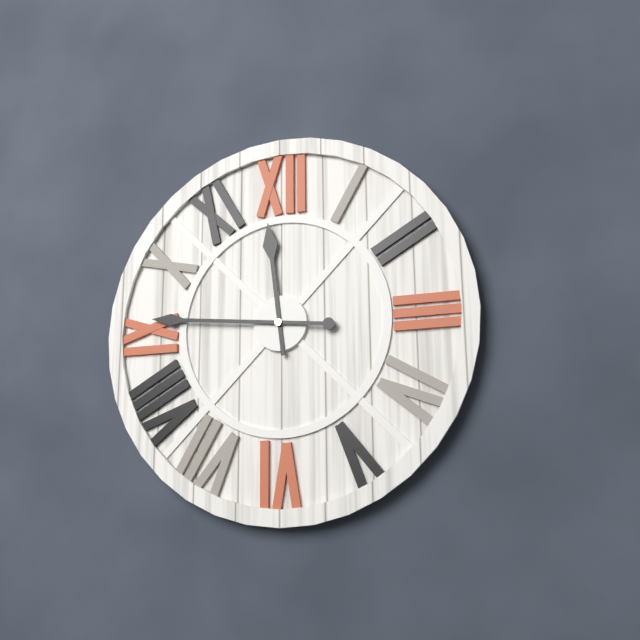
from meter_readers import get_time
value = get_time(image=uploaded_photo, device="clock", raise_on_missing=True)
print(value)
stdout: 11:46
